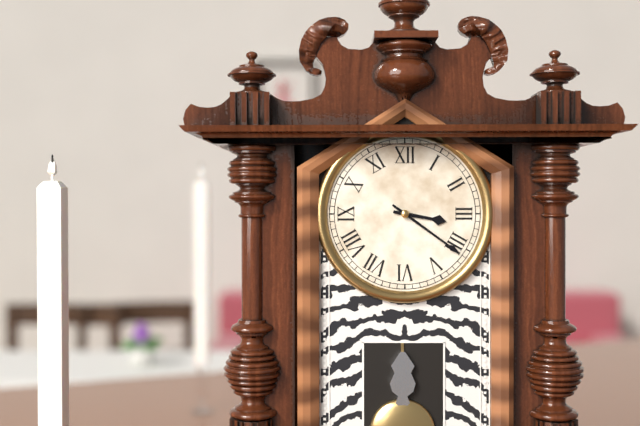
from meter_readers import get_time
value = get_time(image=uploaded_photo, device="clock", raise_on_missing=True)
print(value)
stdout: 3:21
